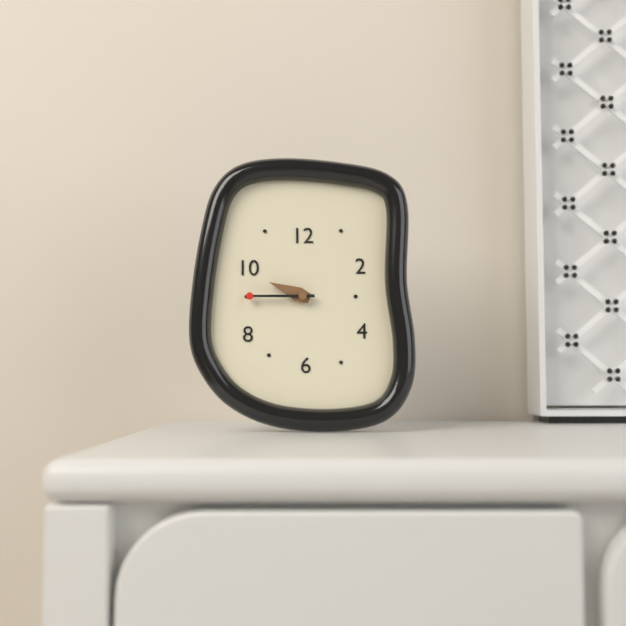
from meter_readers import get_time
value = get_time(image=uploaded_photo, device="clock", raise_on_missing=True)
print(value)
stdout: 9:45
